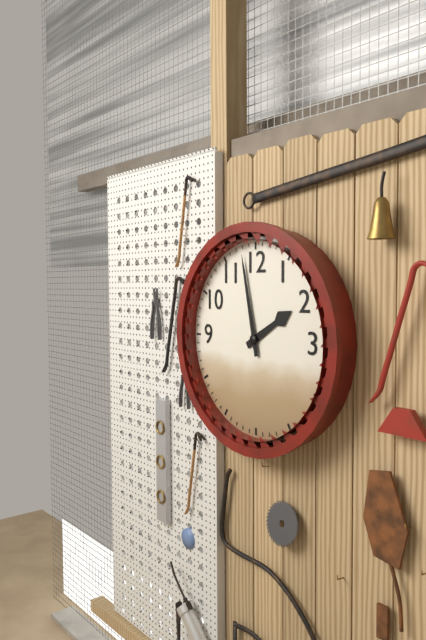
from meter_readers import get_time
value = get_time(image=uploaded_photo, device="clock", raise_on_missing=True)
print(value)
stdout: 1:58
